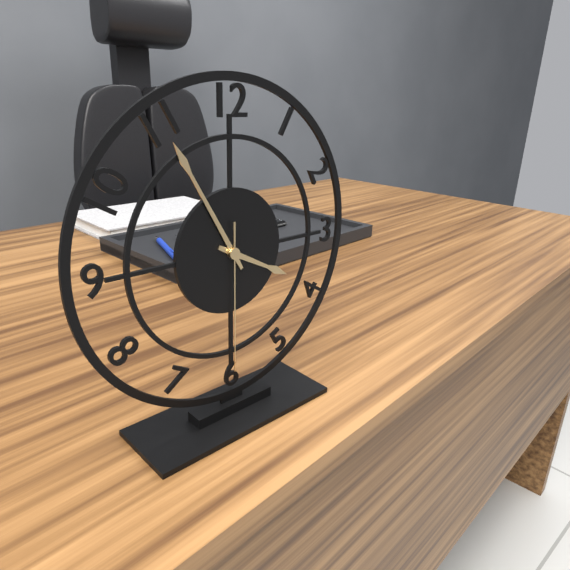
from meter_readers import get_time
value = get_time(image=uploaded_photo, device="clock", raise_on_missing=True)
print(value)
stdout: 3:55:30
